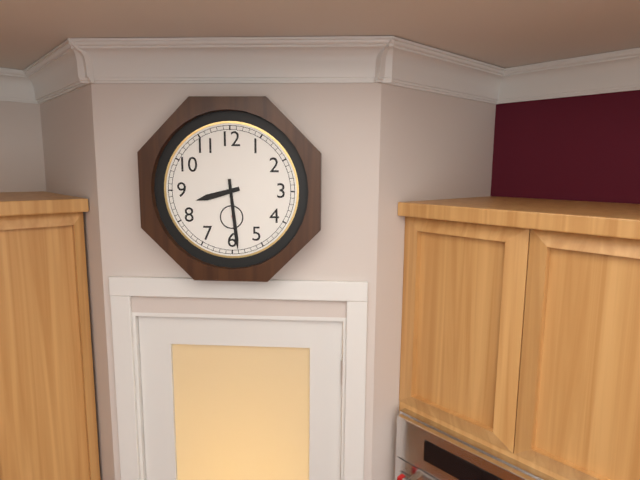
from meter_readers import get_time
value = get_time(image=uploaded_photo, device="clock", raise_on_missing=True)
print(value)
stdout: 8:29
